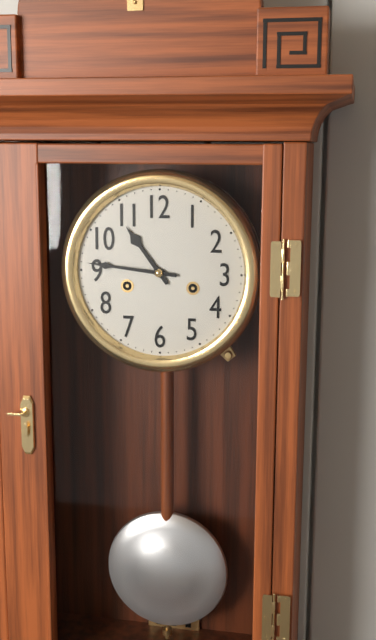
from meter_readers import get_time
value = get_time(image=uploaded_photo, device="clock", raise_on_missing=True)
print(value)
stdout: 10:46
